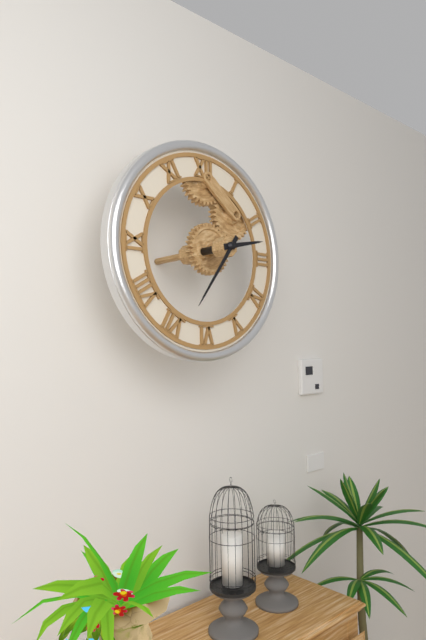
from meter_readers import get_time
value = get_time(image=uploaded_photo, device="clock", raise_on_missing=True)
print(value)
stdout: 2:36
